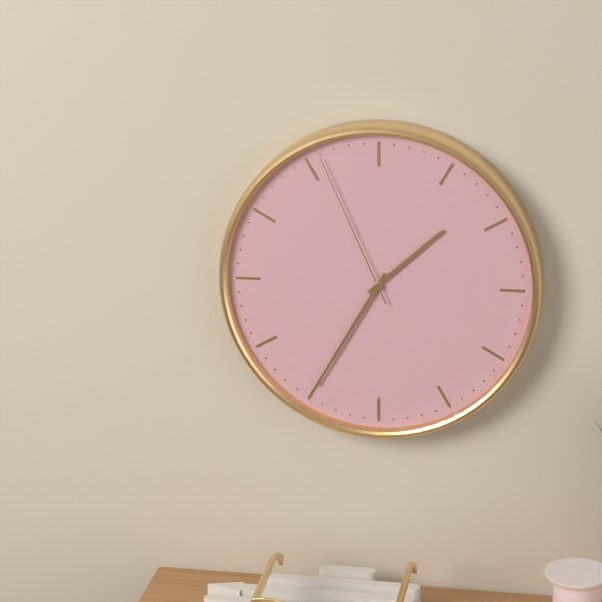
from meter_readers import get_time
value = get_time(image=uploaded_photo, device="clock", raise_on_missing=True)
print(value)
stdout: 1:35:56
